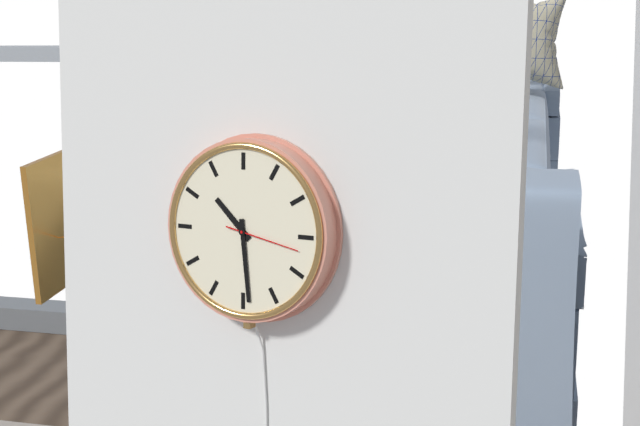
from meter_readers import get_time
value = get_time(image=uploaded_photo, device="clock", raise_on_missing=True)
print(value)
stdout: 10:29:17
